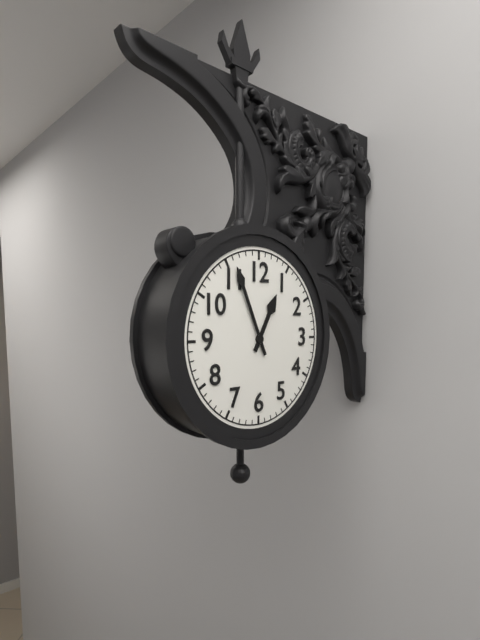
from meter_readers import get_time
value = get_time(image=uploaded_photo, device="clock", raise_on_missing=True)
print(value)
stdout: 12:56
